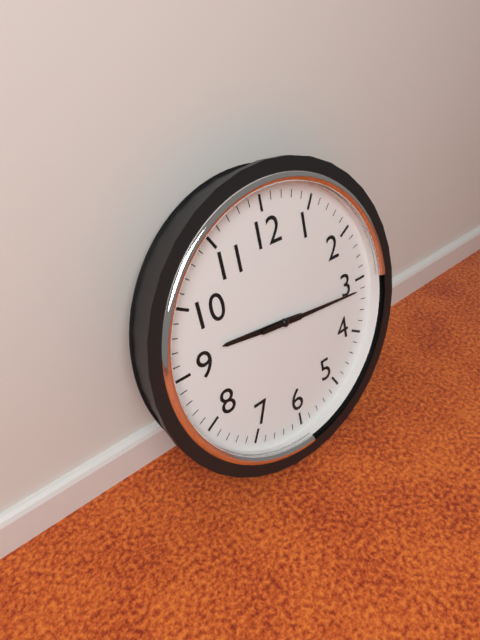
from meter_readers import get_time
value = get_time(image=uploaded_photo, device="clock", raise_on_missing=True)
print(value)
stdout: 9:16
